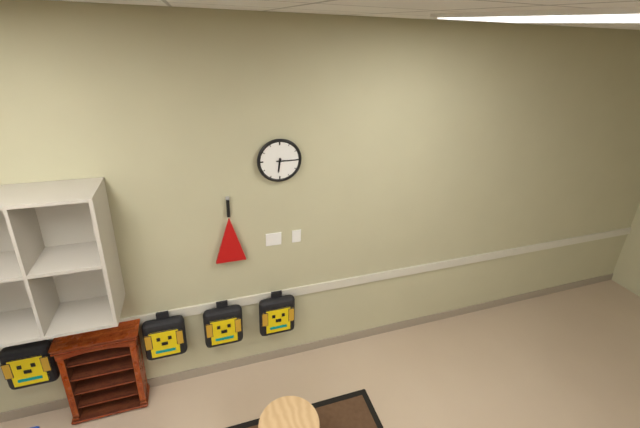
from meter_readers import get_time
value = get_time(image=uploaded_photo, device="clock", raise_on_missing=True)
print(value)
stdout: 6:15
